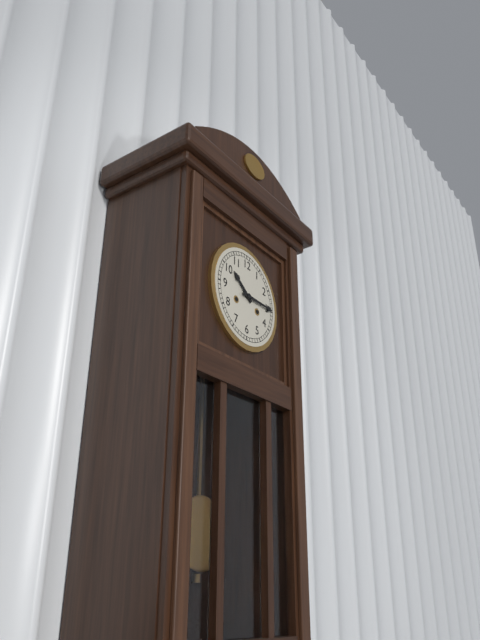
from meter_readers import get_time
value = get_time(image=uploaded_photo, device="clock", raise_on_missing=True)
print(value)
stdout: 10:15
